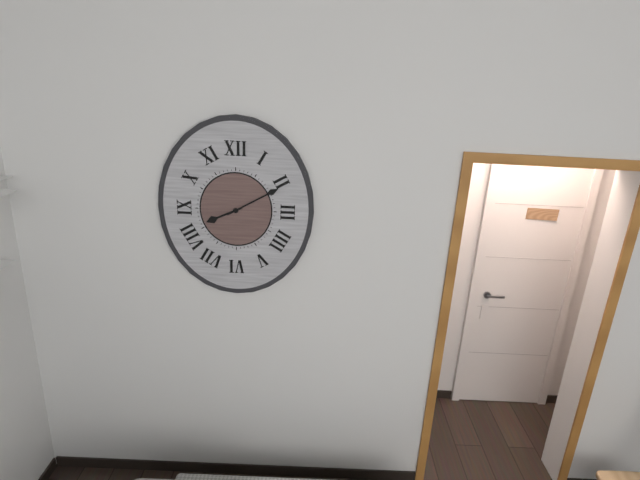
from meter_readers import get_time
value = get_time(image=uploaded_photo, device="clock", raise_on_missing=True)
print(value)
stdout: 8:10
